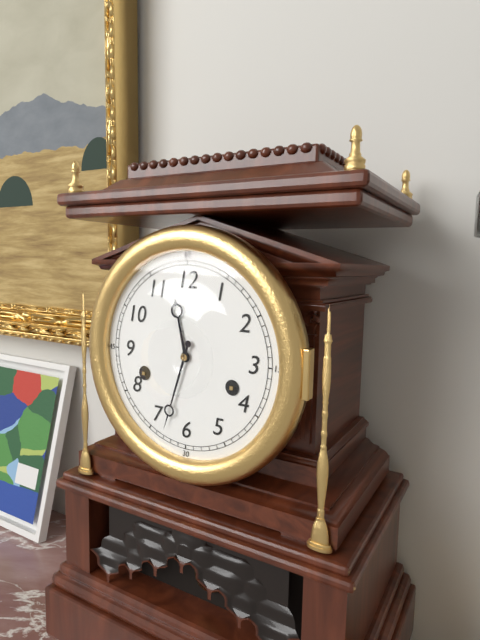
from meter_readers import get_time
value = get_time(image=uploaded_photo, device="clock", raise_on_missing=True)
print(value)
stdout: 11:33
